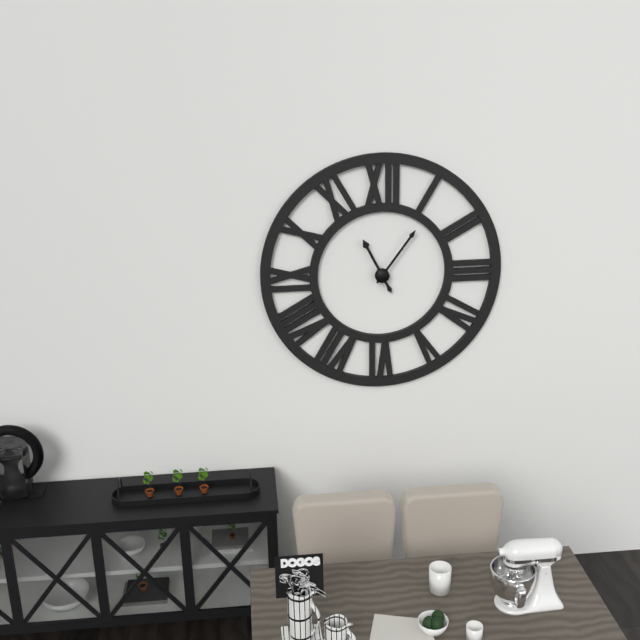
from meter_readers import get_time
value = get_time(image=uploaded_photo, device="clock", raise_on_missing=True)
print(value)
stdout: 11:06
